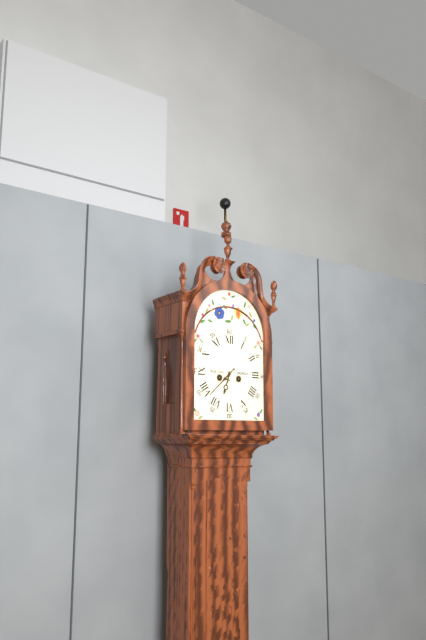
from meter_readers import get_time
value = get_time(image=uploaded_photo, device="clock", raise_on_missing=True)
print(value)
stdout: 6:38
